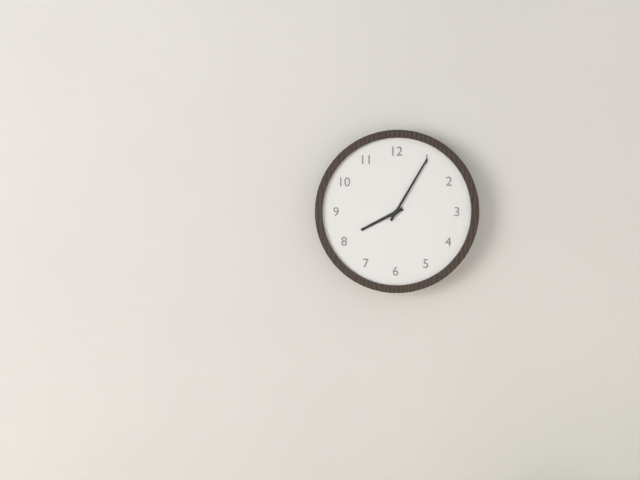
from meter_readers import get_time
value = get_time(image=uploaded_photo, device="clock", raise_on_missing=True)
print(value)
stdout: 8:05
